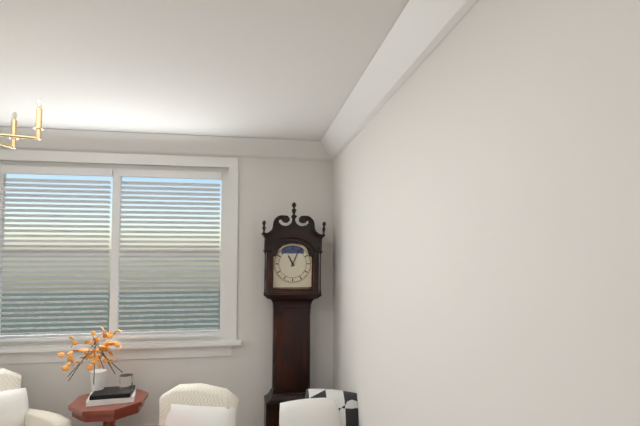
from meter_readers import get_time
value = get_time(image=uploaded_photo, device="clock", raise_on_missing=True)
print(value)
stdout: 11:04
